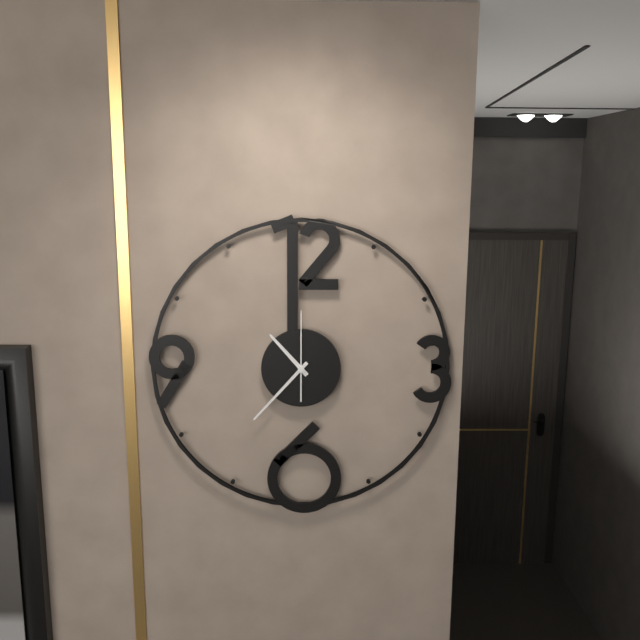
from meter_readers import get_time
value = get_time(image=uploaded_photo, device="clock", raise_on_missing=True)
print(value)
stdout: 10:37:00
